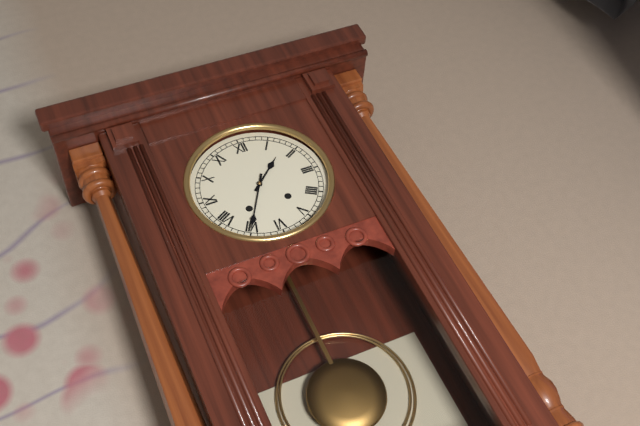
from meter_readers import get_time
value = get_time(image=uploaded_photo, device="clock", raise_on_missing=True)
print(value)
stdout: 1:35
